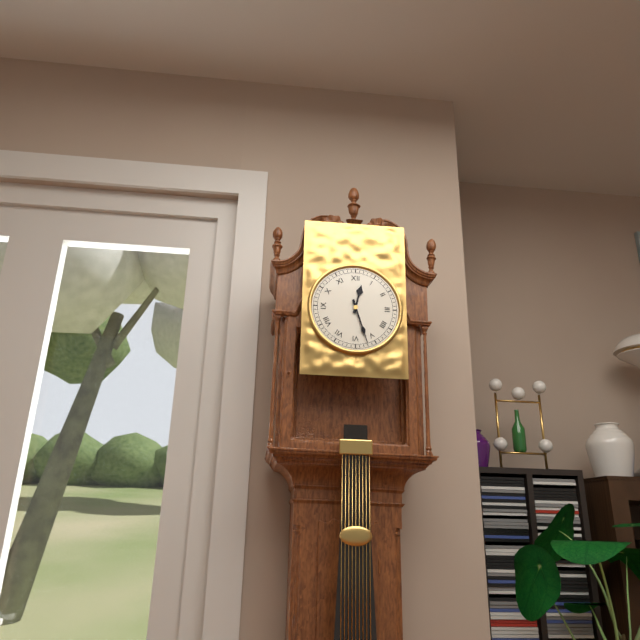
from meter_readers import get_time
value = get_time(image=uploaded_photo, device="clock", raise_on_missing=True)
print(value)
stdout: 12:27
